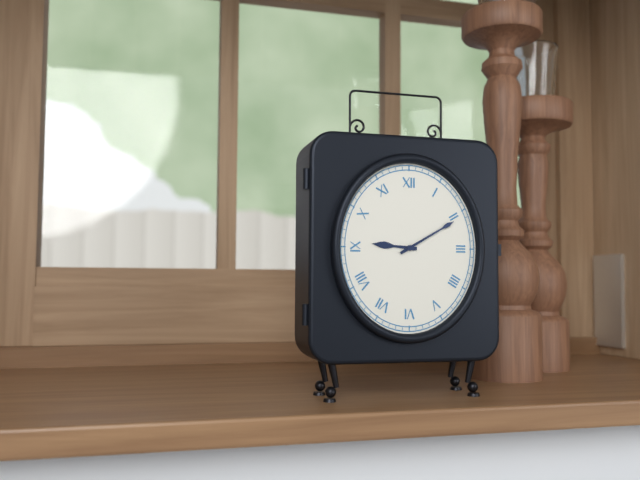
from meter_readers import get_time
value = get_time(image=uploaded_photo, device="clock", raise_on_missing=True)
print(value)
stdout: 9:10
